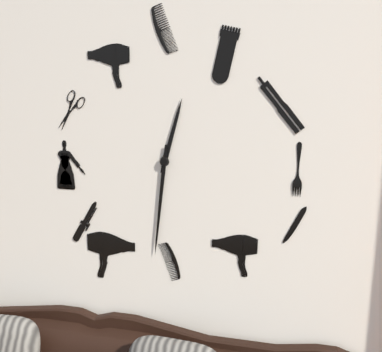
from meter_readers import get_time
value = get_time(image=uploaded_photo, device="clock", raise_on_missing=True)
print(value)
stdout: 12:31
